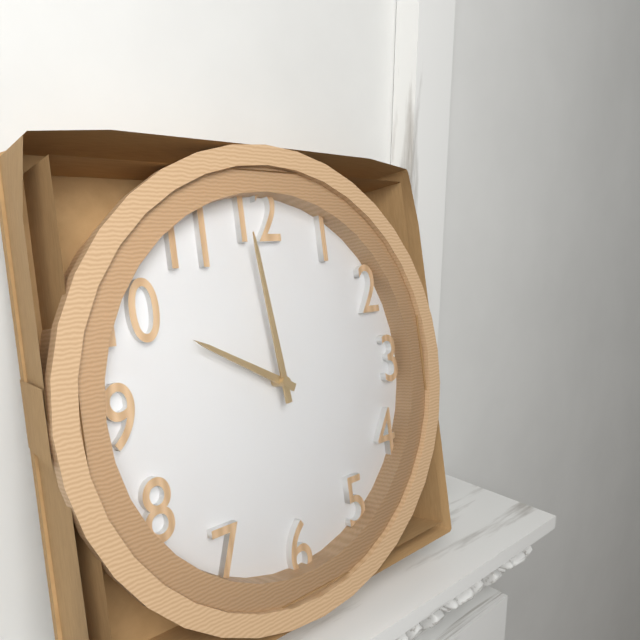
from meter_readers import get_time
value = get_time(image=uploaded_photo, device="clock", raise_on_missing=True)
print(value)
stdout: 9:59
